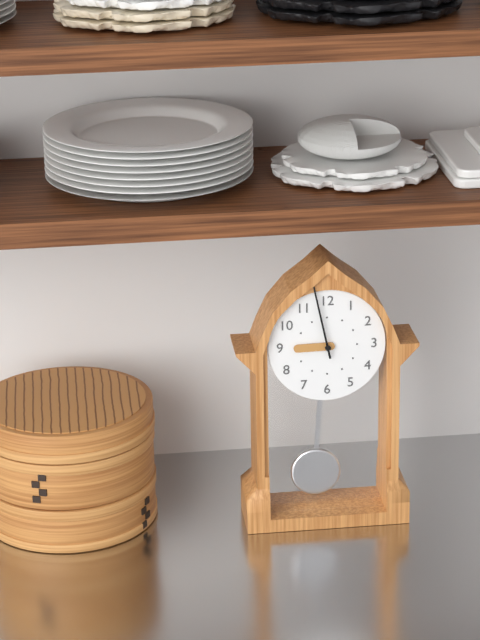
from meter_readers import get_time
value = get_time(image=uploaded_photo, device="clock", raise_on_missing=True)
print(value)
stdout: 8:58
